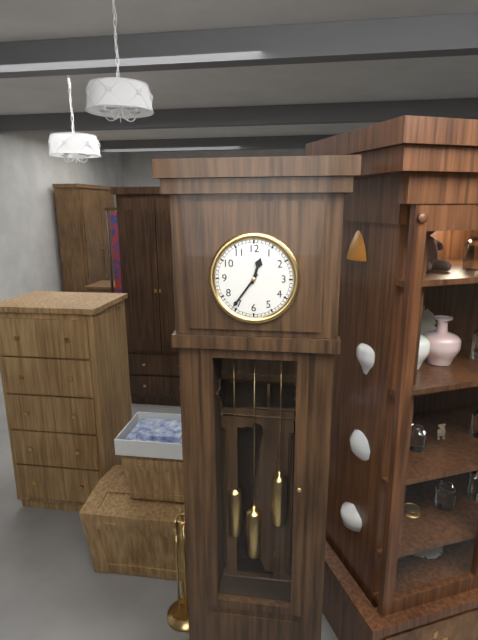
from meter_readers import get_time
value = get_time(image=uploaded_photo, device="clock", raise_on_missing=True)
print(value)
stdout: 12:36
